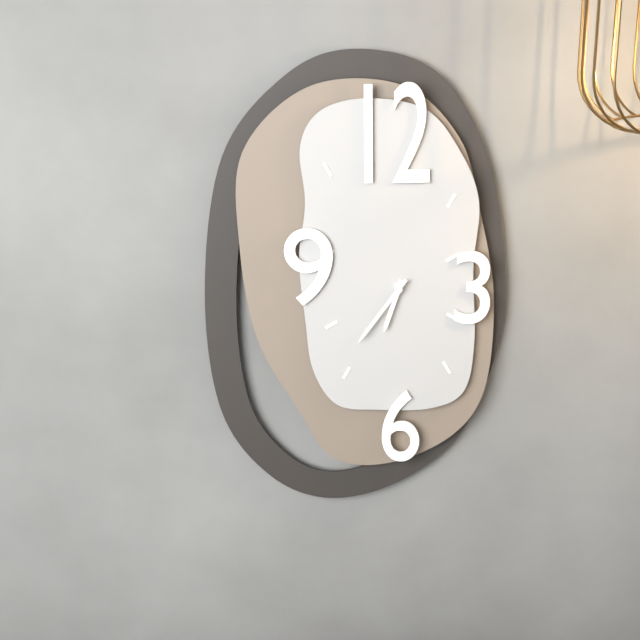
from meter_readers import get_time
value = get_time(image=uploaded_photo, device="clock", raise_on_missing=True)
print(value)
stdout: 6:36
